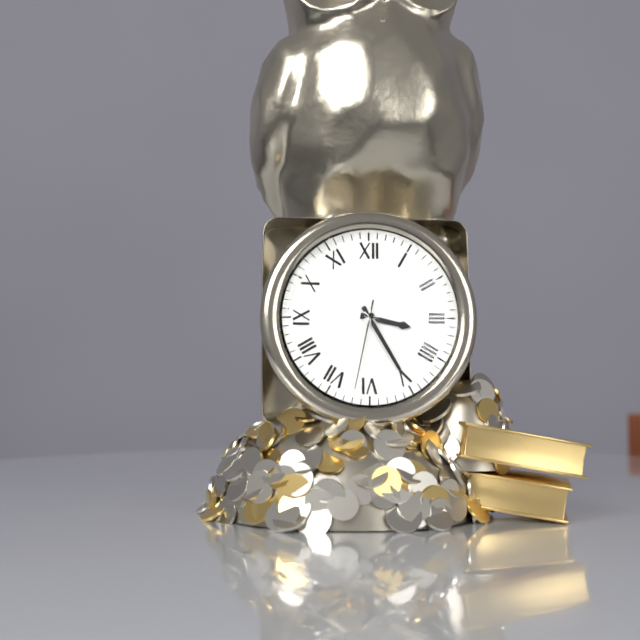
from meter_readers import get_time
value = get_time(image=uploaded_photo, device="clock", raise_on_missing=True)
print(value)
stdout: 3:25:32
